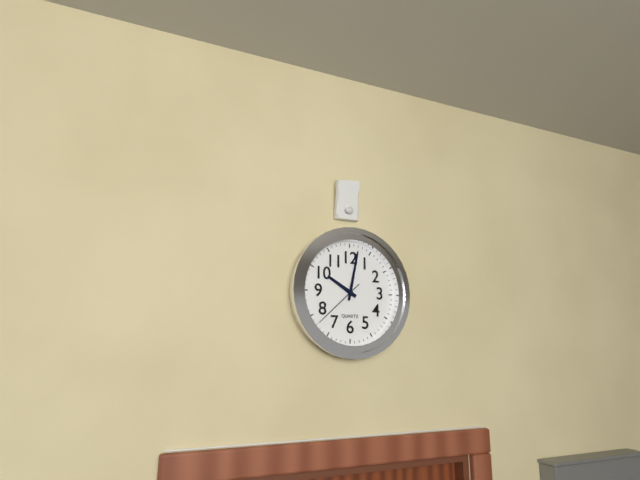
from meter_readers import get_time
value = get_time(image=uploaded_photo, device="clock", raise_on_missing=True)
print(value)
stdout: 10:02:38
